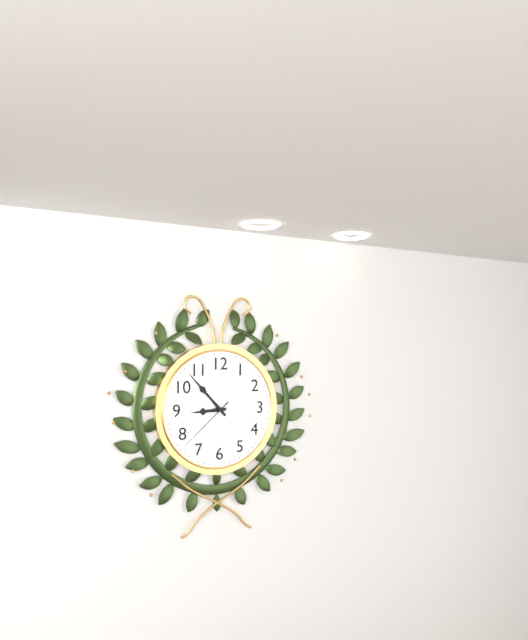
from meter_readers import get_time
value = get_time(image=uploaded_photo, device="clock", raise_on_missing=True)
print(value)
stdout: 8:53:38
